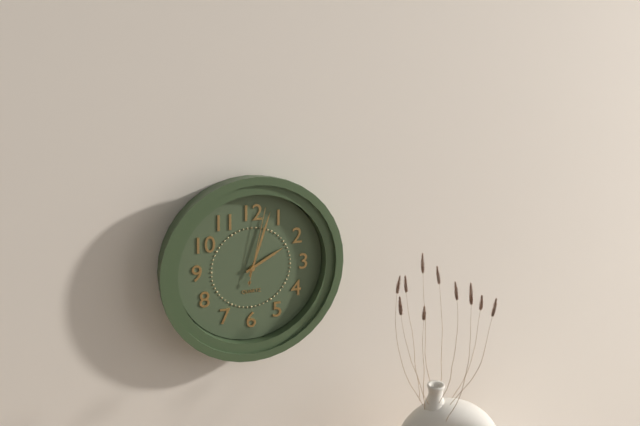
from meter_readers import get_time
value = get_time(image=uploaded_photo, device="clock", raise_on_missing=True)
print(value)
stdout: 2:03:02
